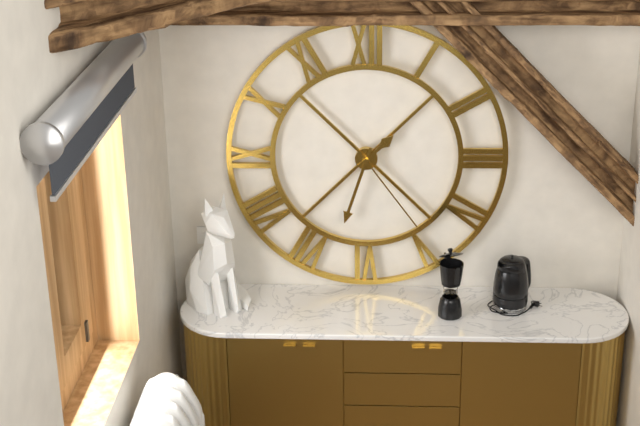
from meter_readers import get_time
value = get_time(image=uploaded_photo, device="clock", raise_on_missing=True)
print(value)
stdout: 1:33:24
